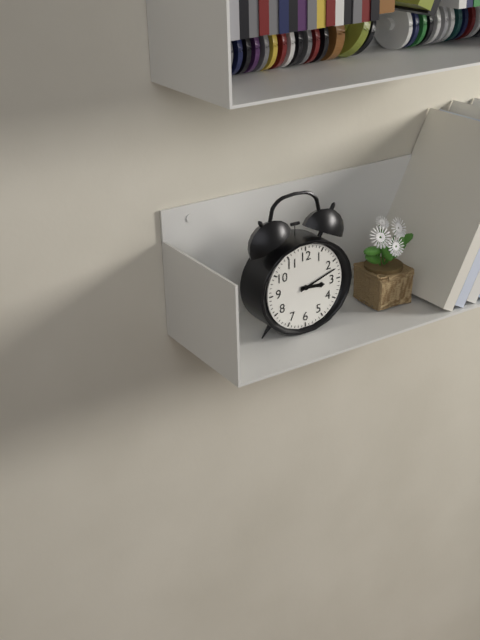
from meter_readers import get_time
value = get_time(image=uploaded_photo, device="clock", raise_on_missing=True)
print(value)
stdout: 3:12
